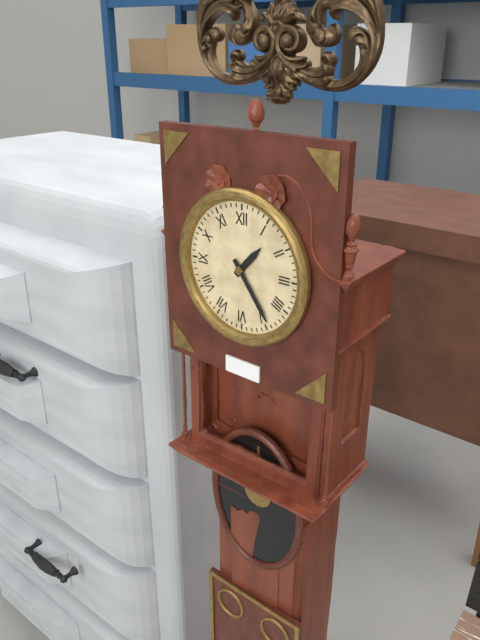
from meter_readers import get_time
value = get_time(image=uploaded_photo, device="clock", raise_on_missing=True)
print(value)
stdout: 1:24
